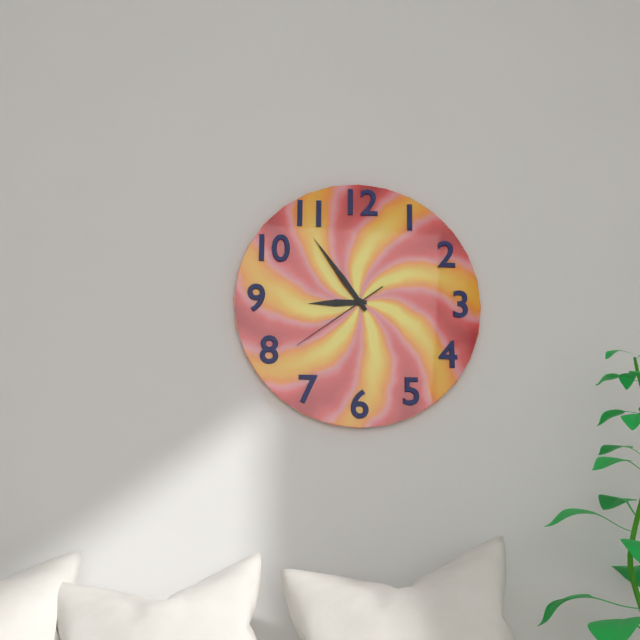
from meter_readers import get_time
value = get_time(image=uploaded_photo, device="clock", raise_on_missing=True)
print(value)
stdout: 8:54:39
